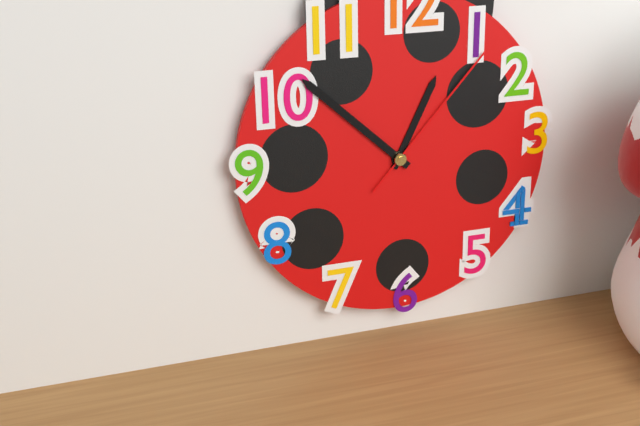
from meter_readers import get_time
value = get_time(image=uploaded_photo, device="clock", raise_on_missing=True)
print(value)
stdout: 12:52:07
